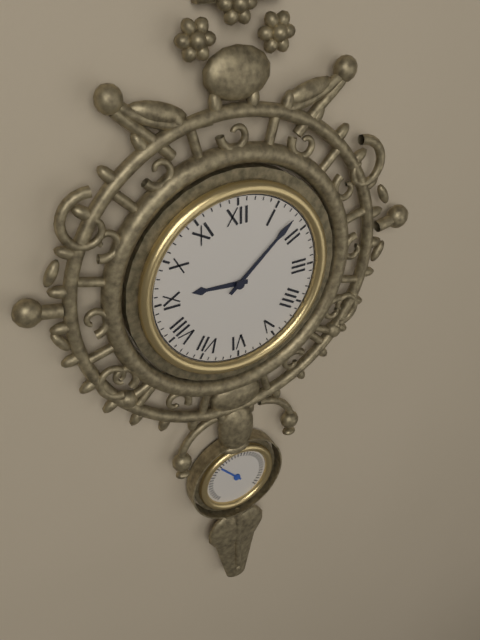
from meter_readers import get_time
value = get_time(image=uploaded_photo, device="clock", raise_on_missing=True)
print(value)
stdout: 9:08
